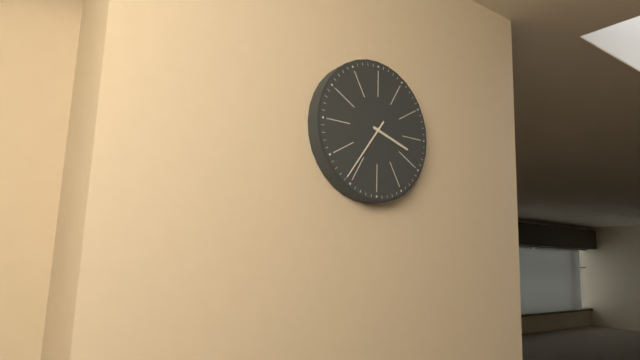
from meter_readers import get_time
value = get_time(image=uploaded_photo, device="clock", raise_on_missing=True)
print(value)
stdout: 3:36
